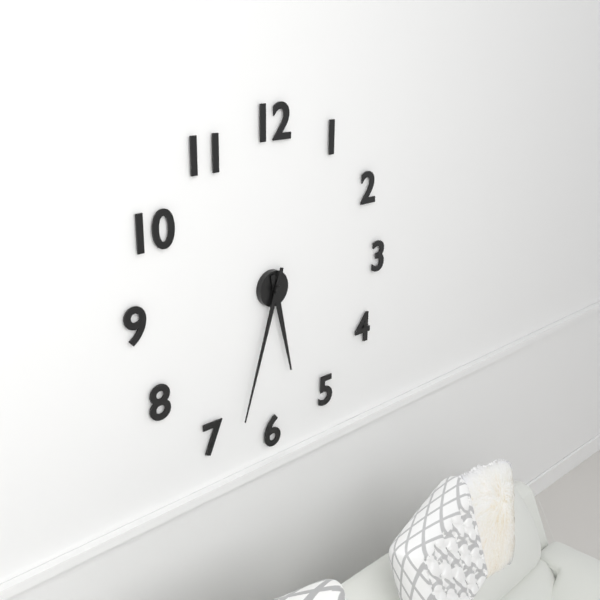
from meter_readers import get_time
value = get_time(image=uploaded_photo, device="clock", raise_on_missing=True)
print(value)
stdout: 5:33
